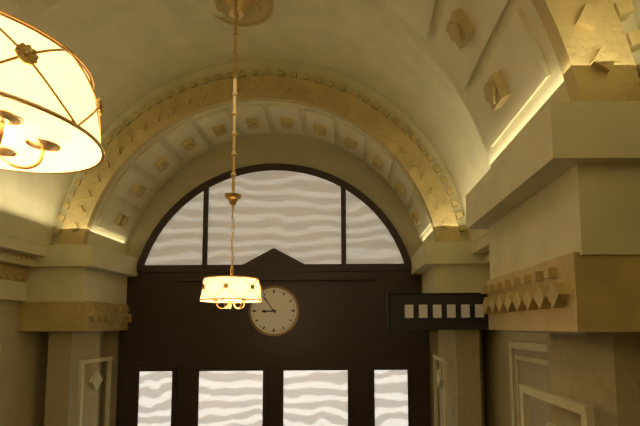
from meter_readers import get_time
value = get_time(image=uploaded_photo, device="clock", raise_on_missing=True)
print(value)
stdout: 8:54
